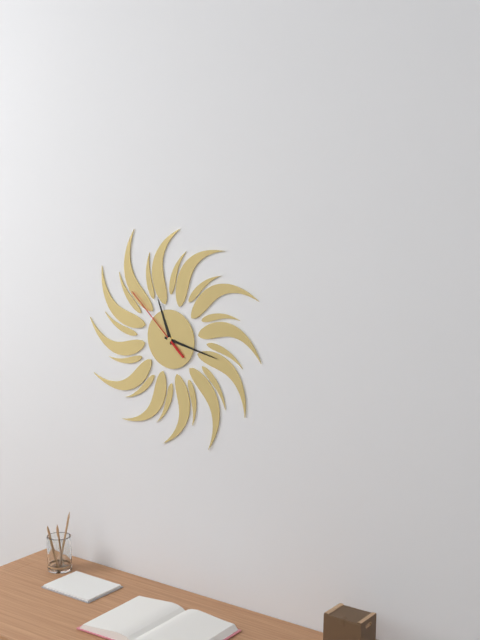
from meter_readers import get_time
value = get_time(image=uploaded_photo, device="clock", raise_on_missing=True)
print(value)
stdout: 11:17:52
